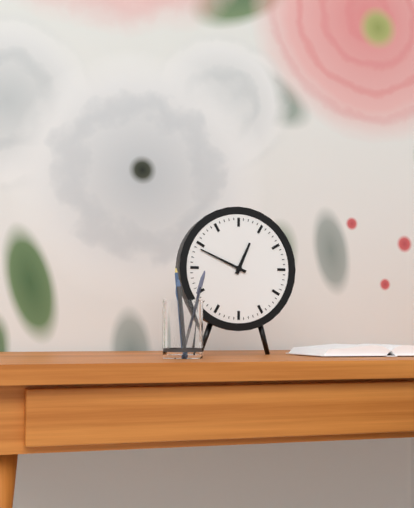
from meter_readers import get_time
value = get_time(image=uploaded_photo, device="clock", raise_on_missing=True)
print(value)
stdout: 12:49
